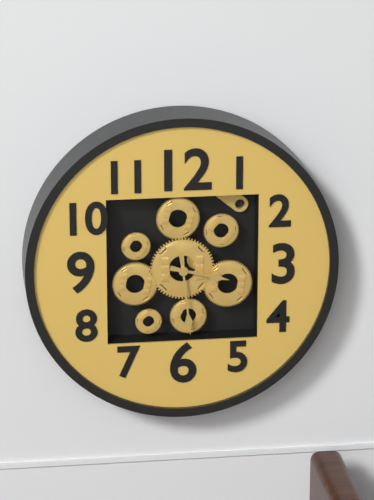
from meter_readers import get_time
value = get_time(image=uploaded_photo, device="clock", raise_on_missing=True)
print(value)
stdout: 3:29
